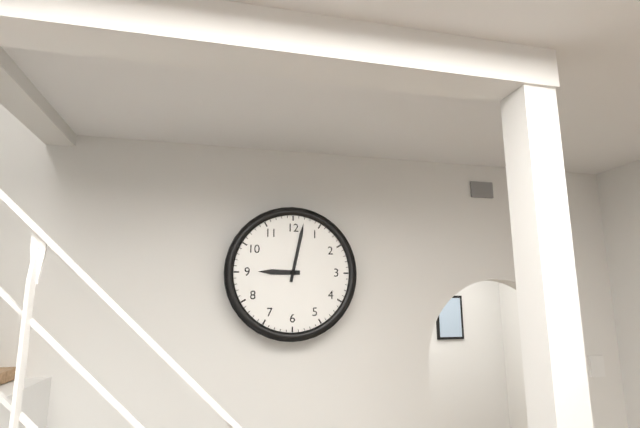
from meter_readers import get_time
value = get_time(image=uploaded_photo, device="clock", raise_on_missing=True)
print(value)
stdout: 9:02
